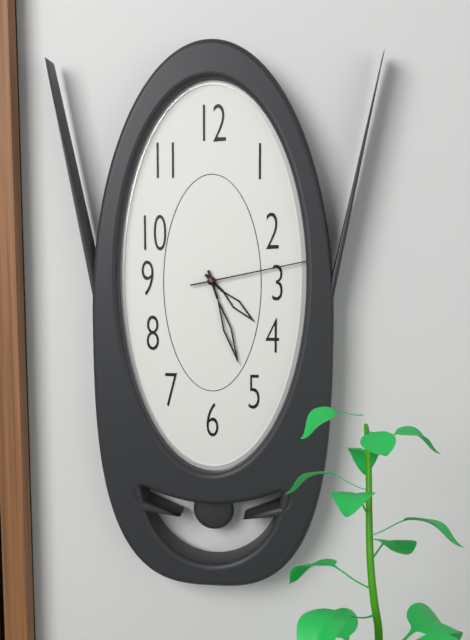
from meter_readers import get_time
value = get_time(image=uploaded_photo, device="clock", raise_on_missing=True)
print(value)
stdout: 4:27:13
